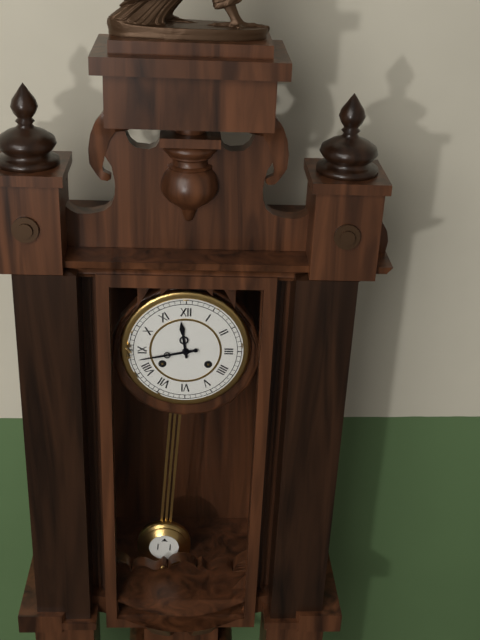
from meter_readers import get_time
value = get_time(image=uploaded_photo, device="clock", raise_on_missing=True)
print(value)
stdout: 11:43
